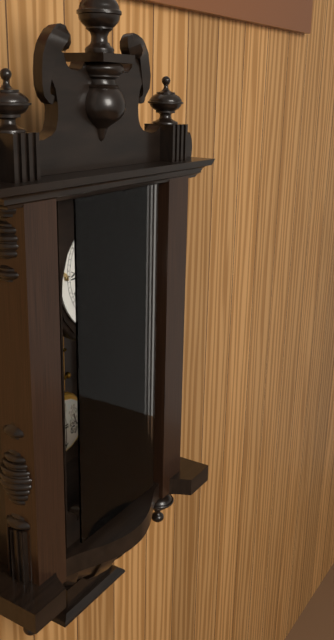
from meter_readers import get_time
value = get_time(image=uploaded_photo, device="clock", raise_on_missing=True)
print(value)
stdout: 7:06
